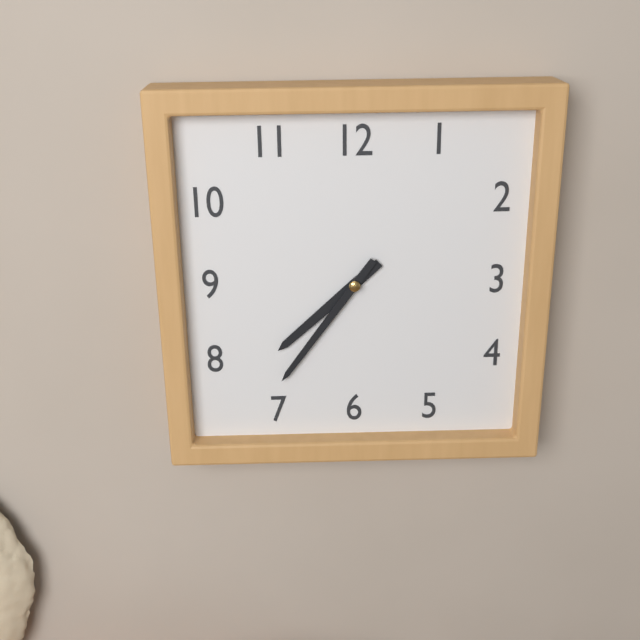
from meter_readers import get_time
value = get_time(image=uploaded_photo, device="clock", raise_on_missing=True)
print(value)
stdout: 7:36
